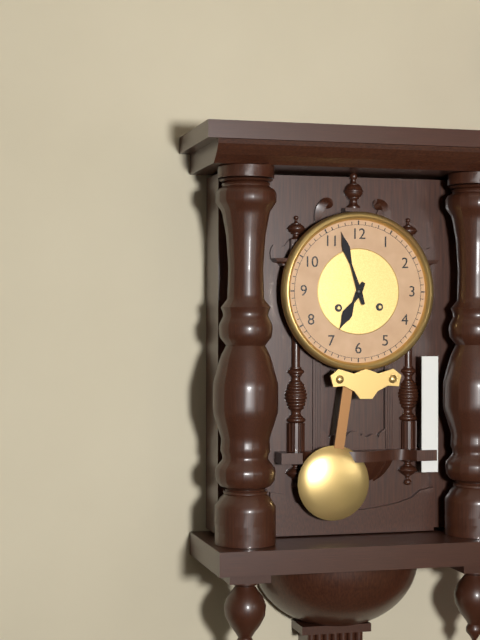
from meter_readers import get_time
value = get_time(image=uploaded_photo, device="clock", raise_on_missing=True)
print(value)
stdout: 6:57
